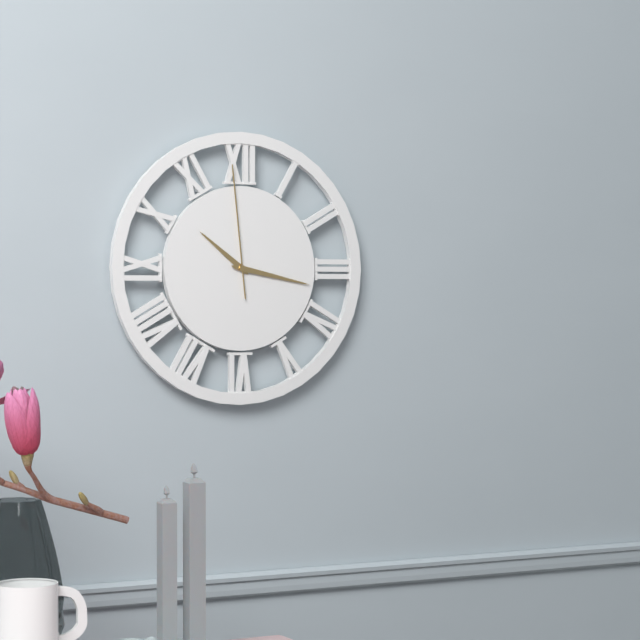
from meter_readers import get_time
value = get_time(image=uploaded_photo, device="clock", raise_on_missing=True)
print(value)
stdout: 10:17:59
